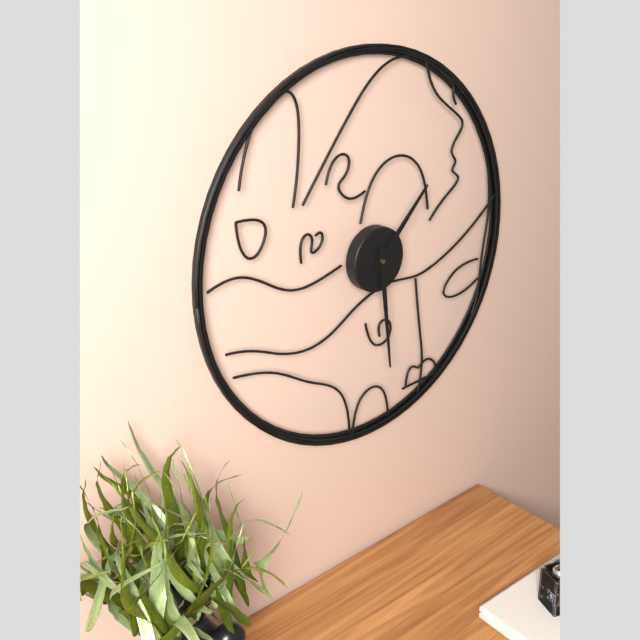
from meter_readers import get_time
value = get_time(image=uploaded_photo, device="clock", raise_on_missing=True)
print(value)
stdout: 1:29
